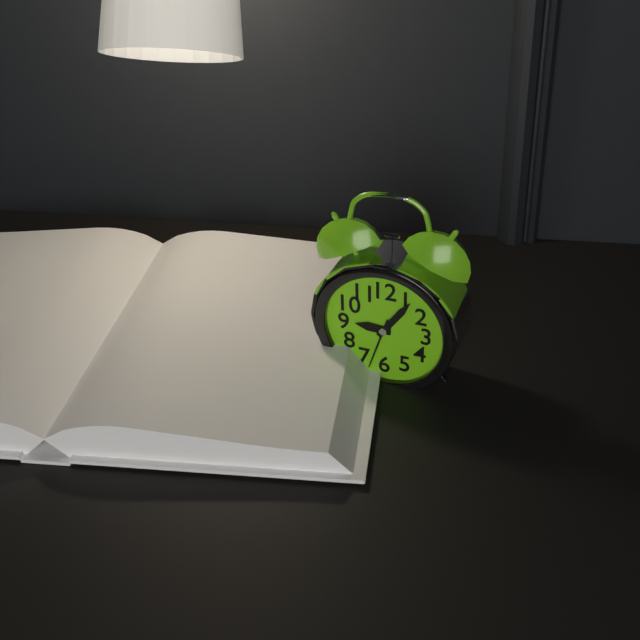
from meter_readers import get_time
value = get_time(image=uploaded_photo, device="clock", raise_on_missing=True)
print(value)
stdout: 9:06:33
